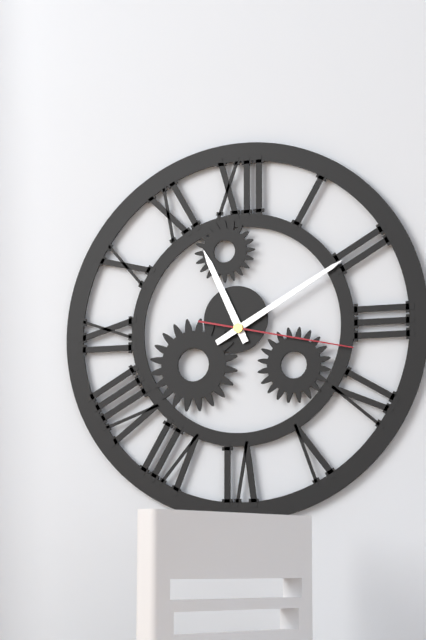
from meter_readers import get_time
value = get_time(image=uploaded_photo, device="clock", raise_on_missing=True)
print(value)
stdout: 11:10:17
